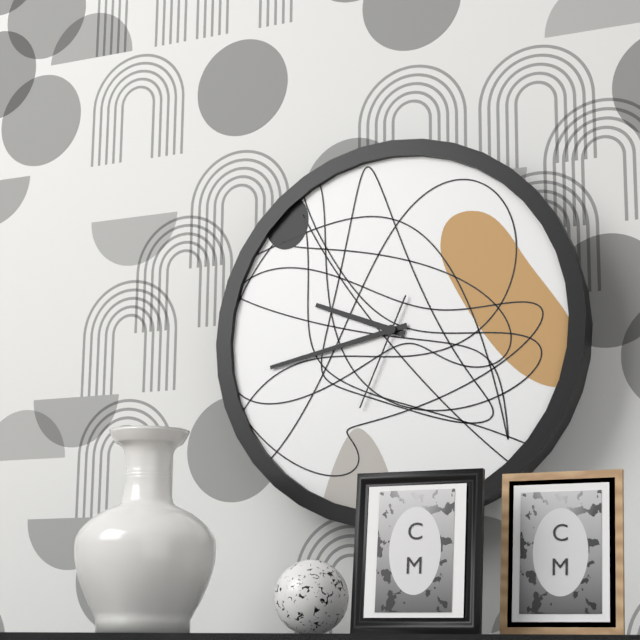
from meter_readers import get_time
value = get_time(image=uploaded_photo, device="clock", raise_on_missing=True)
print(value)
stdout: 9:43:34
